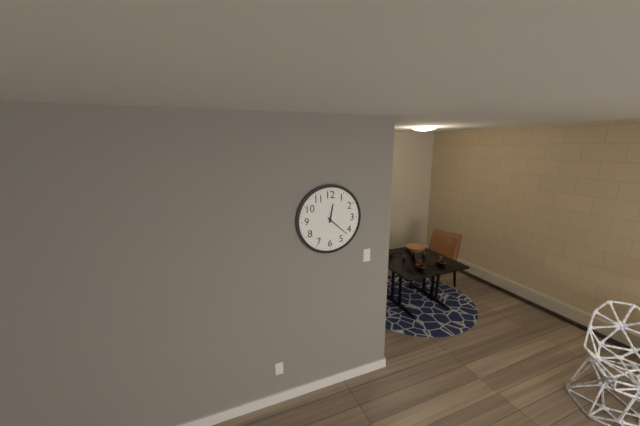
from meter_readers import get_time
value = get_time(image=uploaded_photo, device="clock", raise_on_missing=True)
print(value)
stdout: 12:22
